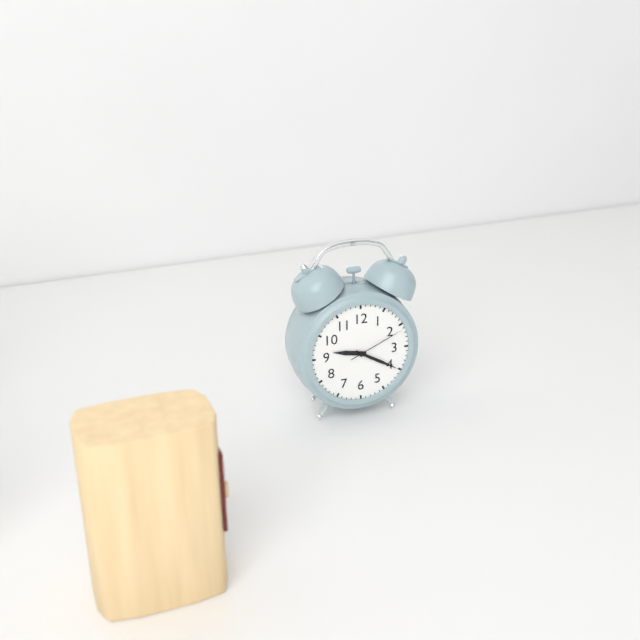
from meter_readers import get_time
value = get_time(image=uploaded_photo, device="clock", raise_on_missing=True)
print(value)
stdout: 9:20:11
